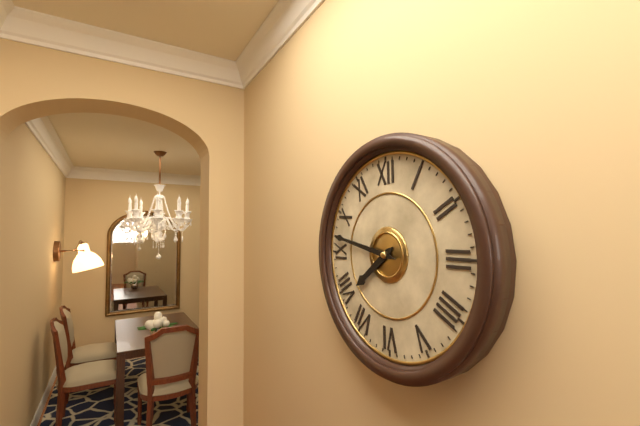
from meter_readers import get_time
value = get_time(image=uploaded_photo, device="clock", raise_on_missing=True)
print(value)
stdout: 7:47
